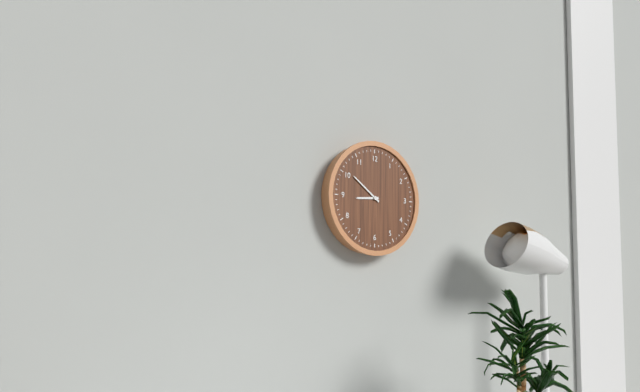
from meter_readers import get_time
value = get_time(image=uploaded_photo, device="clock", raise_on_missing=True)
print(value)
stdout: 8:51
